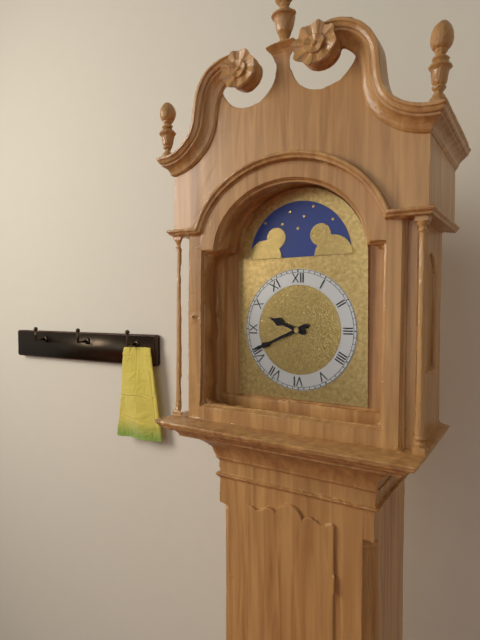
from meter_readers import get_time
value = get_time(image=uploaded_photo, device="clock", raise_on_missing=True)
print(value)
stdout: 9:41
